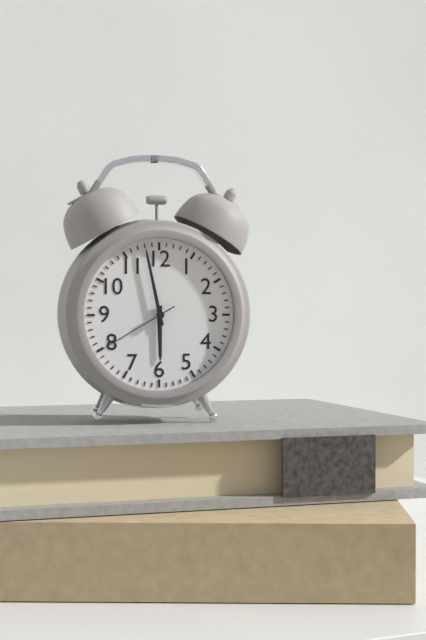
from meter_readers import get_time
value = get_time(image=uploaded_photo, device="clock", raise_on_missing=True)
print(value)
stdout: 5:58:40
